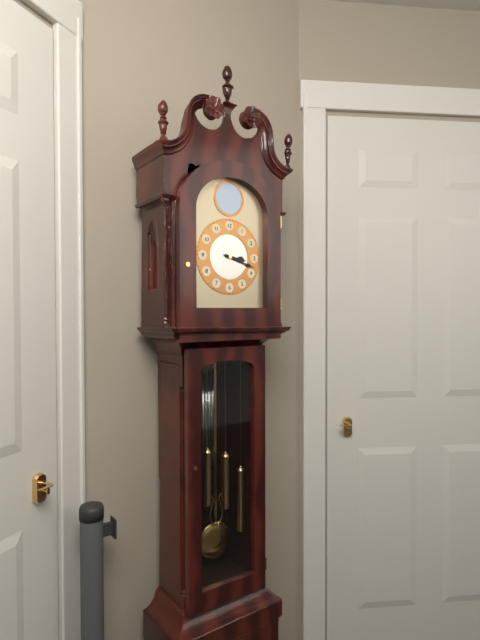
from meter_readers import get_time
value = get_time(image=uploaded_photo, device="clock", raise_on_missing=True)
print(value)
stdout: 3:18
